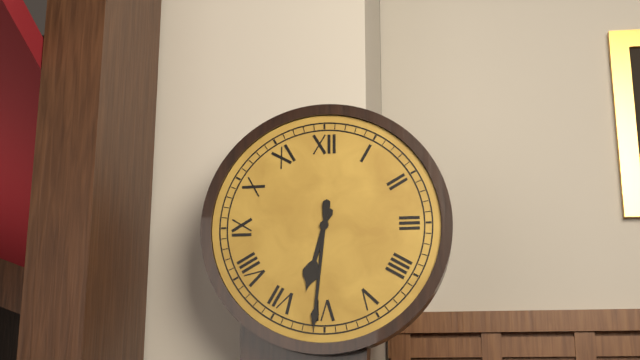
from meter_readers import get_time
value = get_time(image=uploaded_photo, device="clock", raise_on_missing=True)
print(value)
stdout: 6:31
